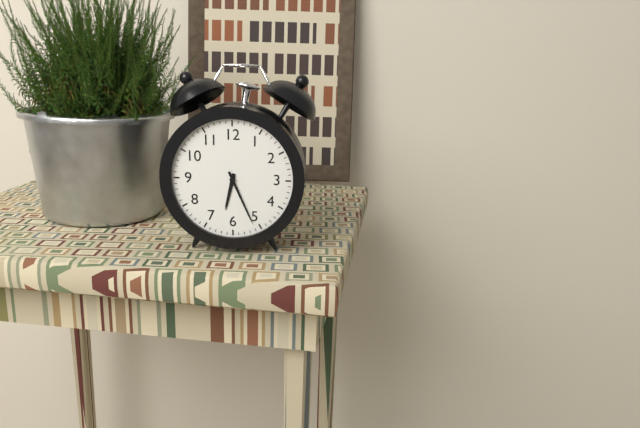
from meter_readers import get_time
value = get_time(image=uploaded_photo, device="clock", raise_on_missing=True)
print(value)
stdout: 6:26
